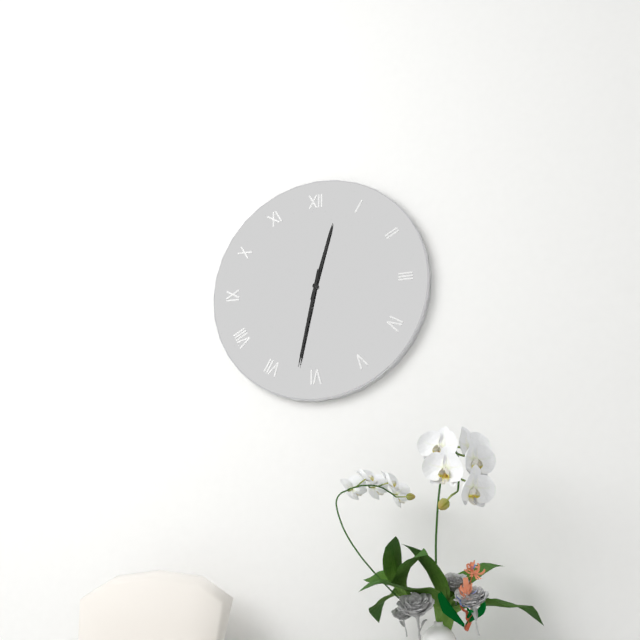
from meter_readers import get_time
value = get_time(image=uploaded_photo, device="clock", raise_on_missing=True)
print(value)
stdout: 12:32
